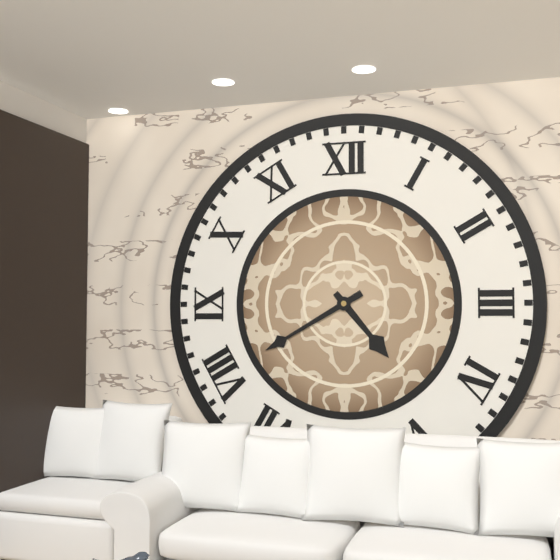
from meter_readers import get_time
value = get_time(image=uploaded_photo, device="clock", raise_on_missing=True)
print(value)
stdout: 4:40
